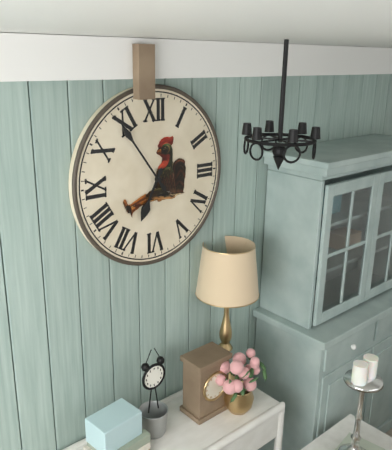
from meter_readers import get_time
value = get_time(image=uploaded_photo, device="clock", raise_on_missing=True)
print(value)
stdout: 6:54
